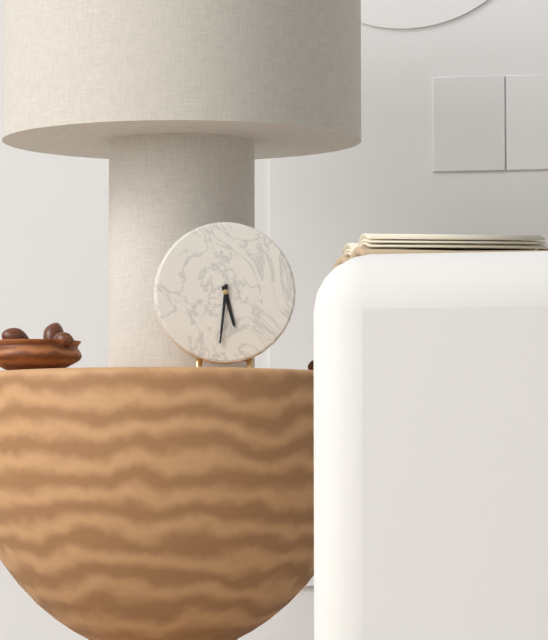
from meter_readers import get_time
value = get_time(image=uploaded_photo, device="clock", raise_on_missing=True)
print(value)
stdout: 5:31
